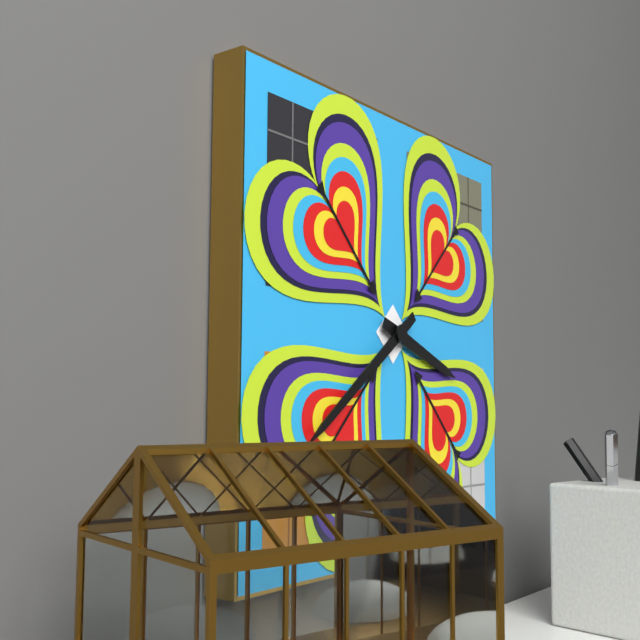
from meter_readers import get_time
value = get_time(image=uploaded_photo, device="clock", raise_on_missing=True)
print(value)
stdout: 3:39
